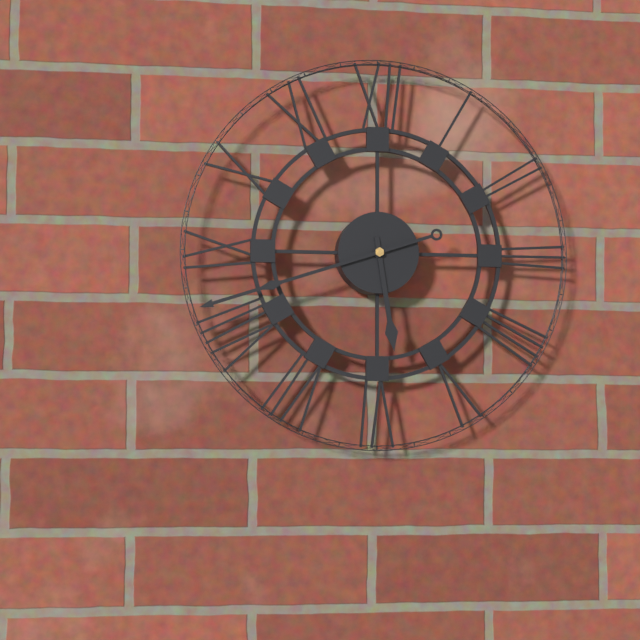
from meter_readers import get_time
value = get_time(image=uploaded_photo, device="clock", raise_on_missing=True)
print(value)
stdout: 5:42
